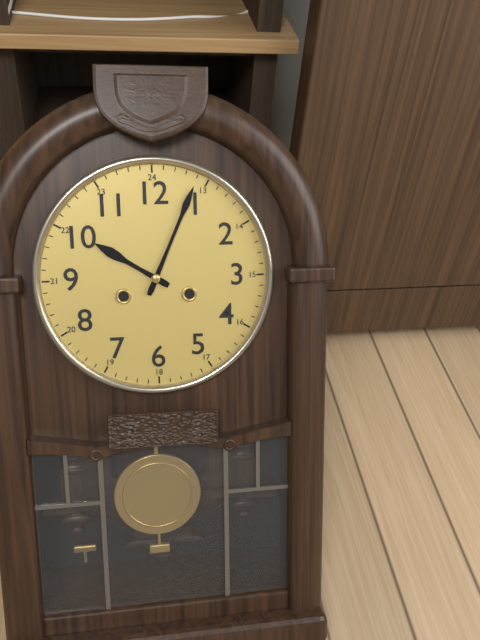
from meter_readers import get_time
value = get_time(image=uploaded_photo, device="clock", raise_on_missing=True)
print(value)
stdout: 10:04
